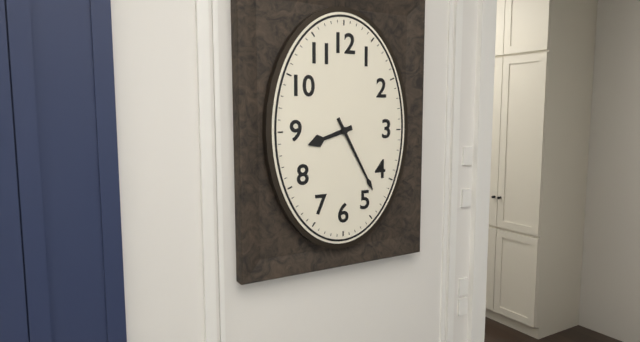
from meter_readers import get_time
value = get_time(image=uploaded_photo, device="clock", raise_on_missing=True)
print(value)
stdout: 8:25
